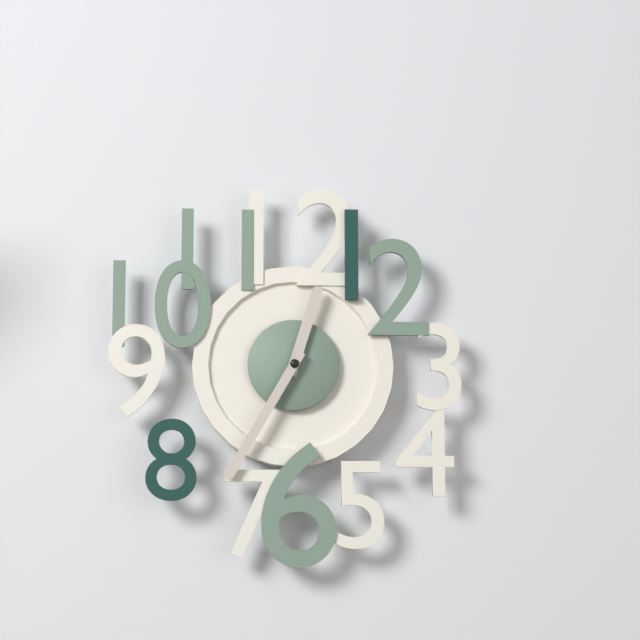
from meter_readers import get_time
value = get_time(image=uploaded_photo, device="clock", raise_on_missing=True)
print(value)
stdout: 12:35
